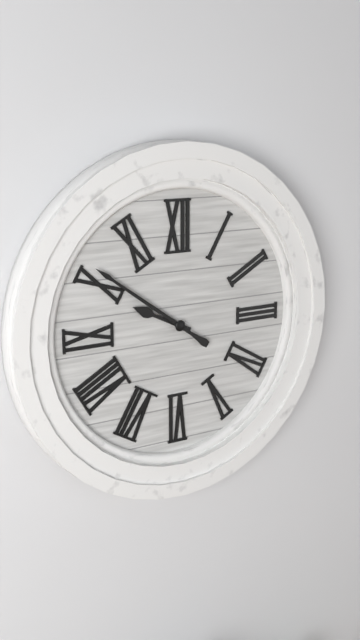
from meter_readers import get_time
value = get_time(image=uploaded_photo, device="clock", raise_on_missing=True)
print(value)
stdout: 9:51
